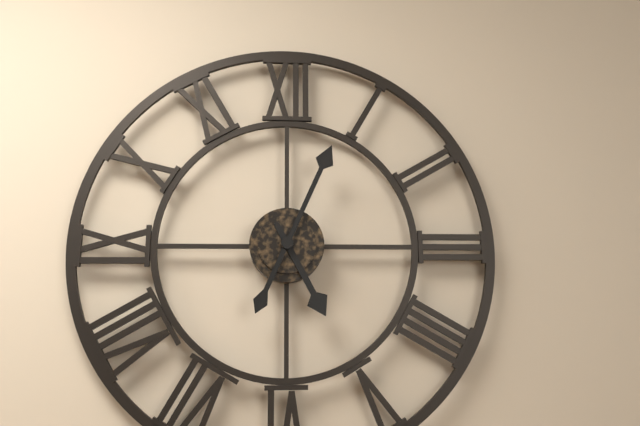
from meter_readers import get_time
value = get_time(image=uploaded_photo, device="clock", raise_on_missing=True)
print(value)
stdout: 5:04
